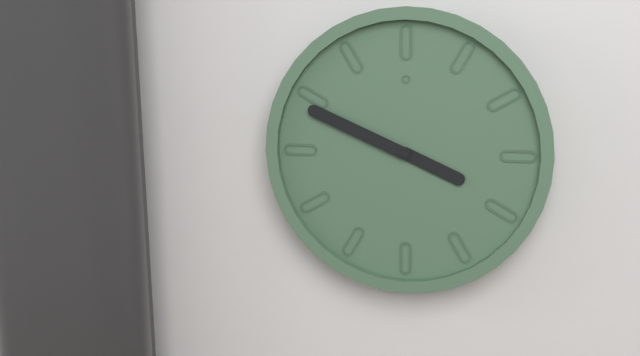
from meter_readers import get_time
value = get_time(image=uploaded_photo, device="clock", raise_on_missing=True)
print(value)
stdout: 3:49
